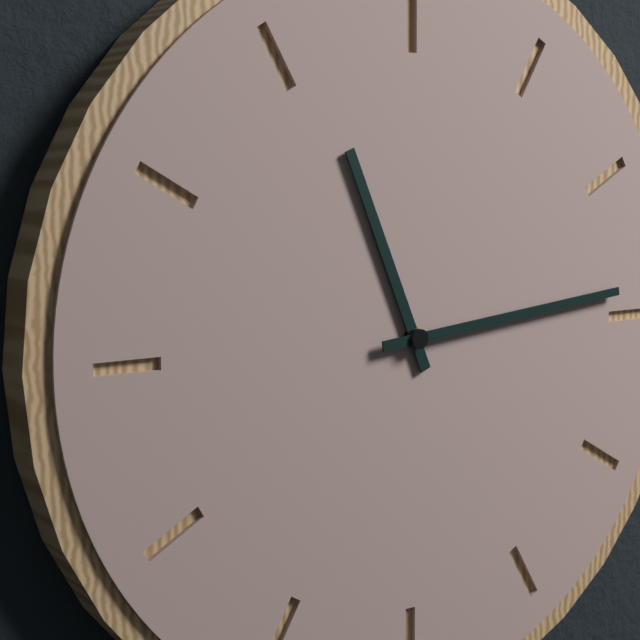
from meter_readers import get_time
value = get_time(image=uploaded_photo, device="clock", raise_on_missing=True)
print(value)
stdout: 11:14
